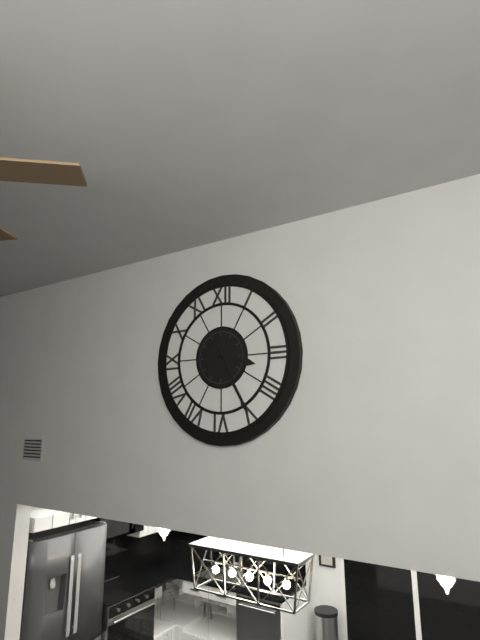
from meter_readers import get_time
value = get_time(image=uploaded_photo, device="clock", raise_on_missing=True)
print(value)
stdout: 3:25
